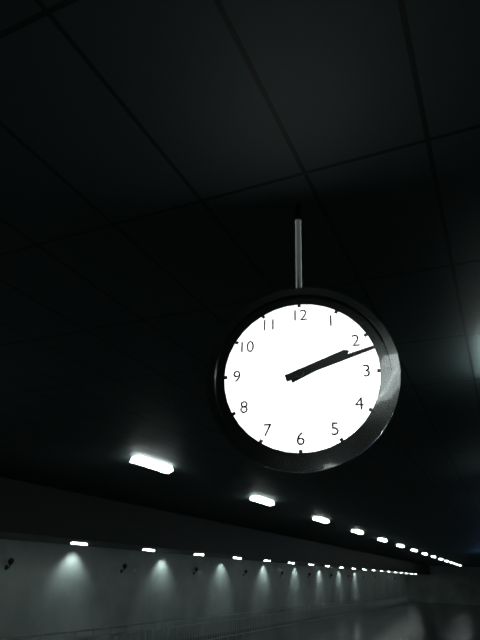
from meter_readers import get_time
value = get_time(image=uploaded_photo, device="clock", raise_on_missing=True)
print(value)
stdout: 2:12
